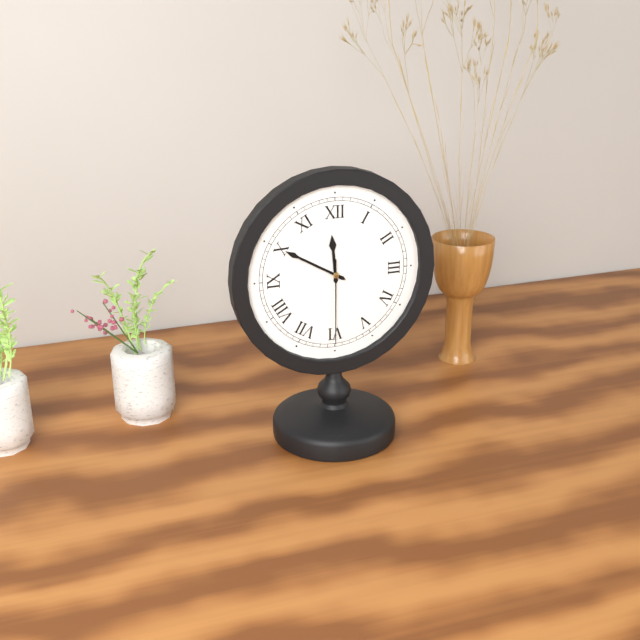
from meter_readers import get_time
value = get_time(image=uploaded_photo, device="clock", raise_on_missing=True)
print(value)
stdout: 11:50:30
